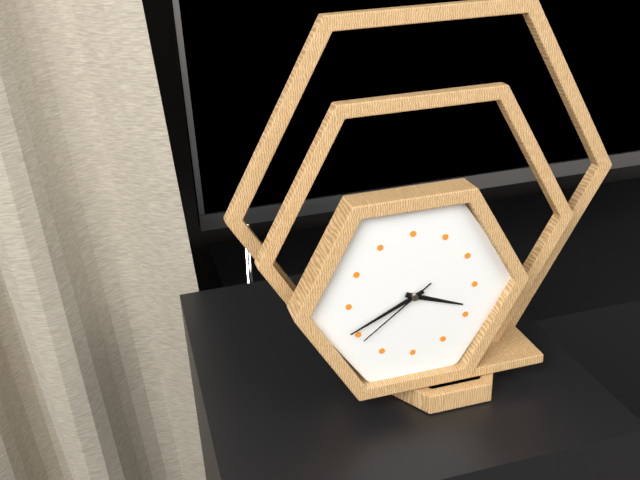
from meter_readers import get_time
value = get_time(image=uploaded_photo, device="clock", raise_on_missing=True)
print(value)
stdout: 3:41:39
